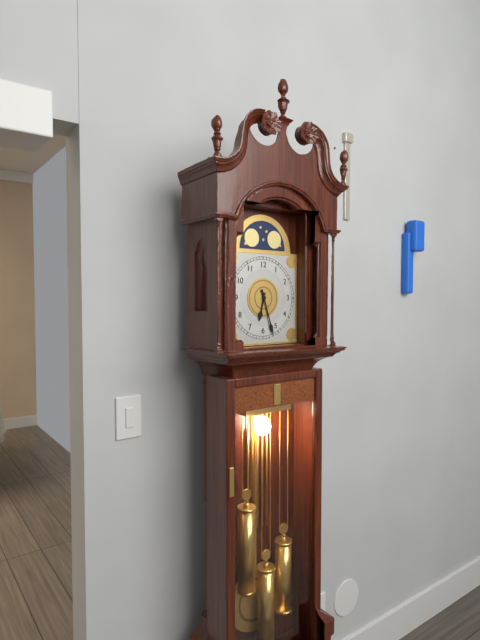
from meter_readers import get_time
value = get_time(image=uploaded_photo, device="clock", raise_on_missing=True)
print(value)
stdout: 6:27
